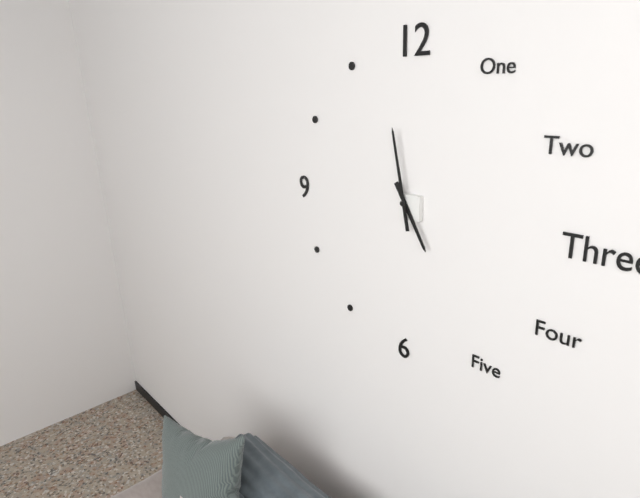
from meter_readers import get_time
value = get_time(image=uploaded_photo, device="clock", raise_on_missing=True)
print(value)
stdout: 4:58
